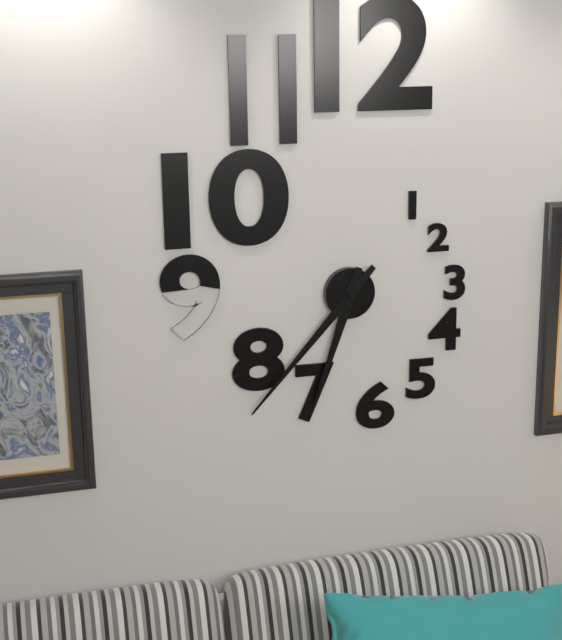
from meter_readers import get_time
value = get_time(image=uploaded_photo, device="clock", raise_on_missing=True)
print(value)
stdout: 6:37
